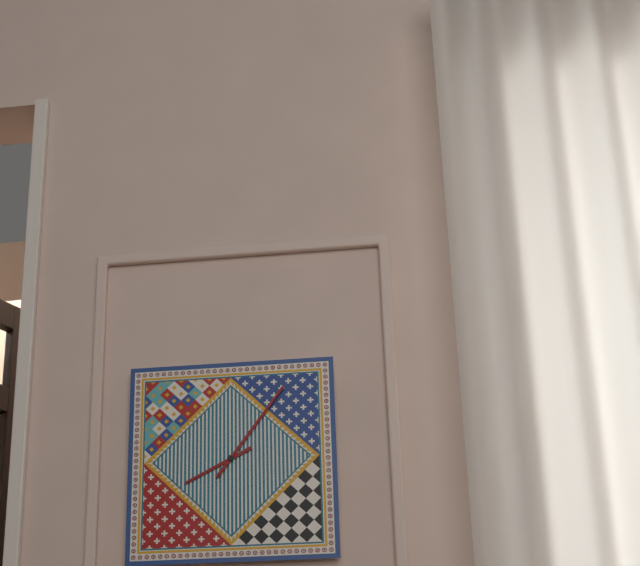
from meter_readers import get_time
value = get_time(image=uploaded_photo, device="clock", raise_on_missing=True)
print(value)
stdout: 8:06
